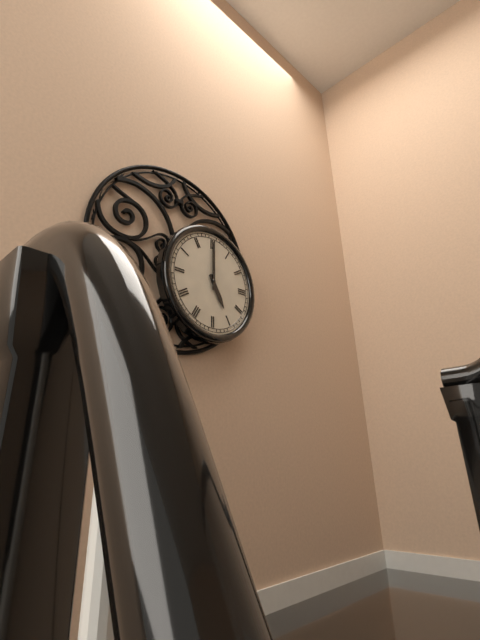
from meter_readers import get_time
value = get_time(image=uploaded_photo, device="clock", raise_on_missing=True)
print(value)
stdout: 5:00
